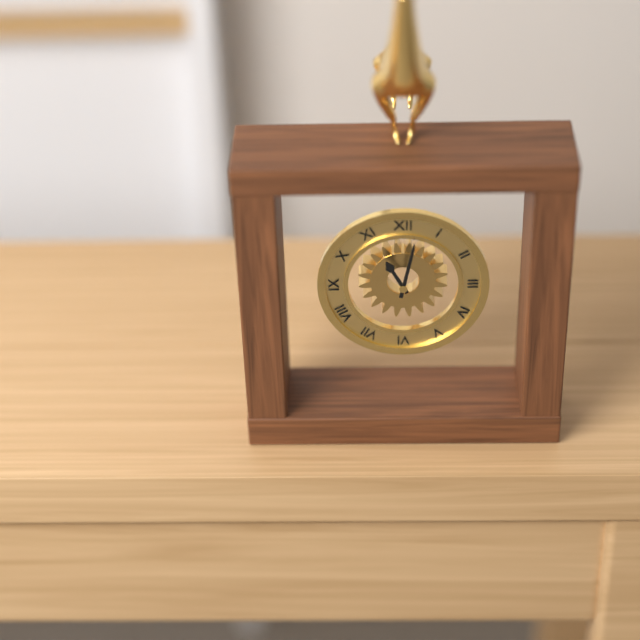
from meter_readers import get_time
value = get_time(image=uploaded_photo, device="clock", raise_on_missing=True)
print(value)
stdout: 11:02
